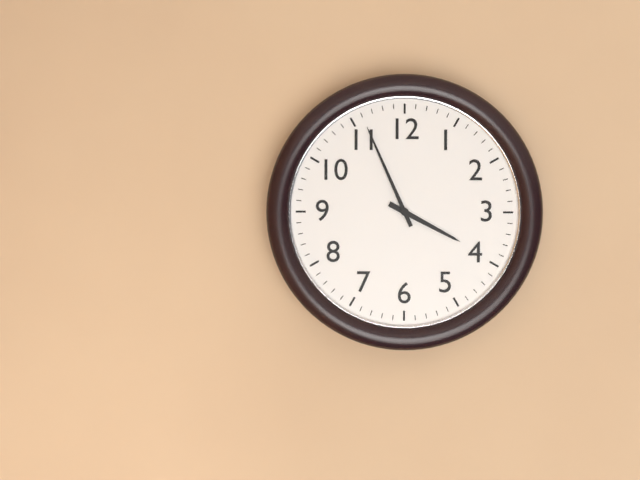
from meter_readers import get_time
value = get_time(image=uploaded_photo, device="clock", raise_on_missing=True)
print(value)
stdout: 3:56
